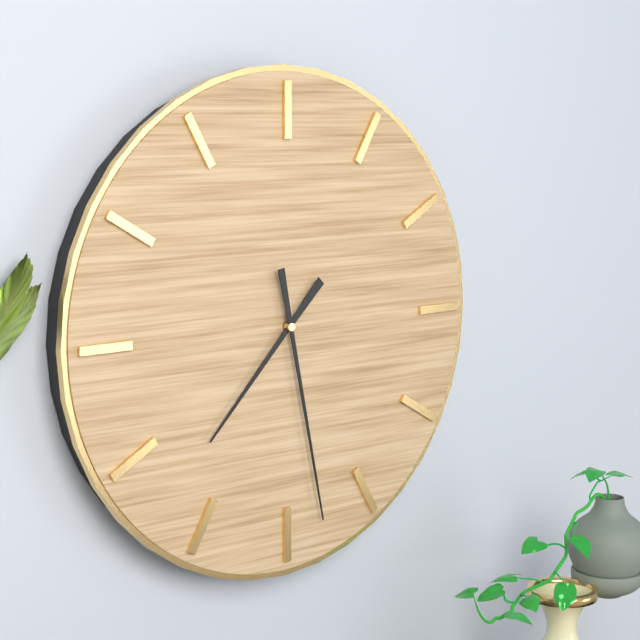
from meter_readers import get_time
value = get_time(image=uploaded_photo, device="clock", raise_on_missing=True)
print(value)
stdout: 7:28
